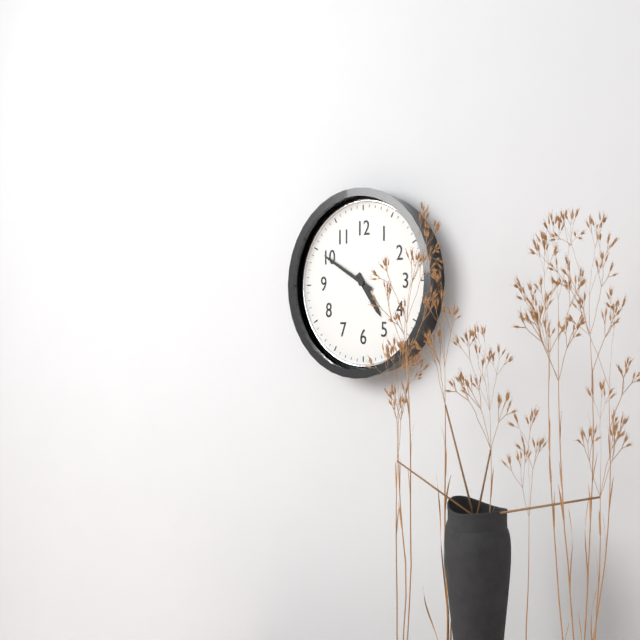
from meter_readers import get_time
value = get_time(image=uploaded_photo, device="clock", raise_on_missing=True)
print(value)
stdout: 4:50
